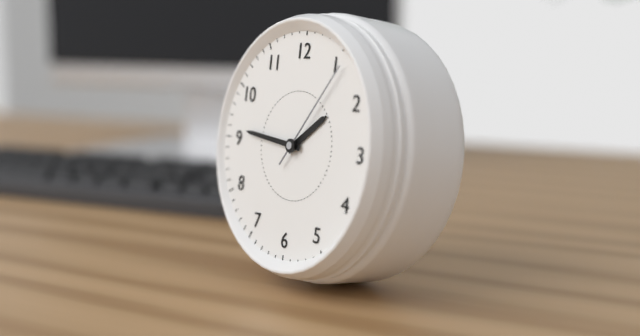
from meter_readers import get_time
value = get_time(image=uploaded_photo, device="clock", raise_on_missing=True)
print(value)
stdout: 1:46:06
